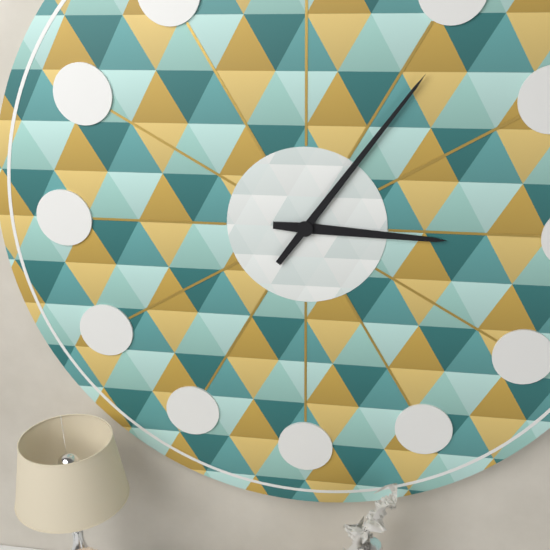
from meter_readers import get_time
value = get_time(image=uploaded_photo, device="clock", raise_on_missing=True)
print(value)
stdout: 3:06
